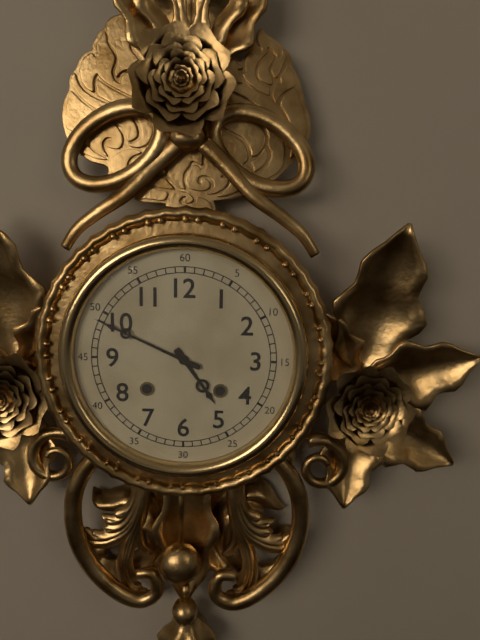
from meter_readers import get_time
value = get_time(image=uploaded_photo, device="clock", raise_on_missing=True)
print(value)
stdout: 4:49
